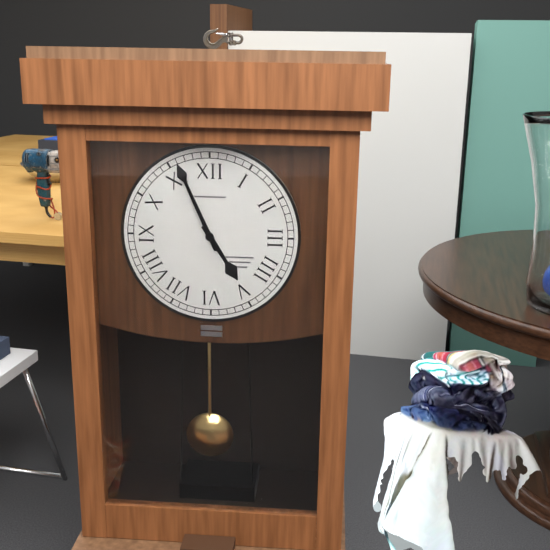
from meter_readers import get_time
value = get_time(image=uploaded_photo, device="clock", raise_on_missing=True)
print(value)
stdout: 4:56
